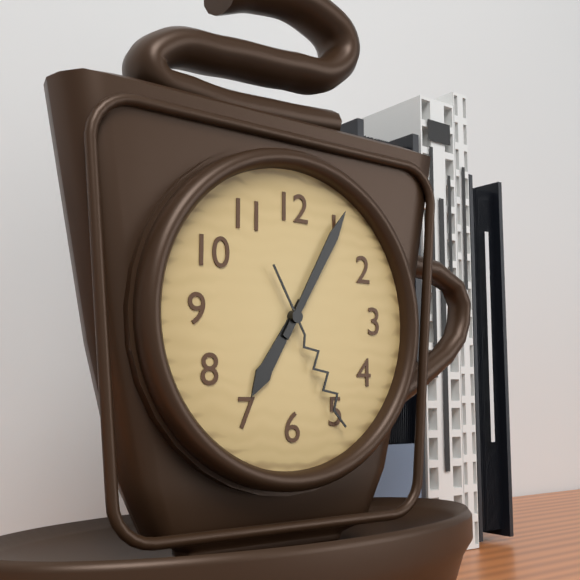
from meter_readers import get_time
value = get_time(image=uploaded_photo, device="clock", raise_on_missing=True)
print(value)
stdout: 7:05:25
